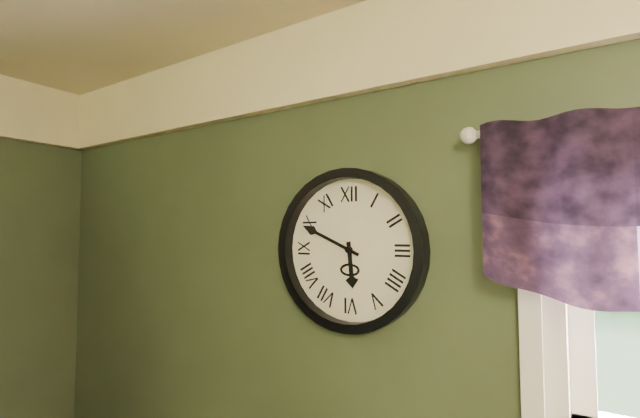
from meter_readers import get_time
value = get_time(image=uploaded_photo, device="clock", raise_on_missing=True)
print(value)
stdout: 5:49
